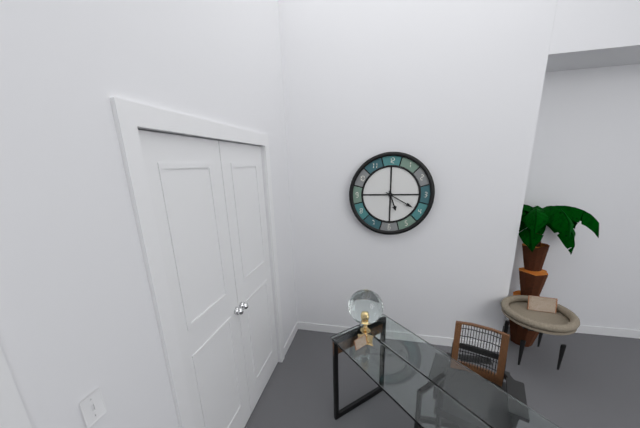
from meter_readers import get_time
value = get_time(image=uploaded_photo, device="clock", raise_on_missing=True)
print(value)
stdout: 5:20
